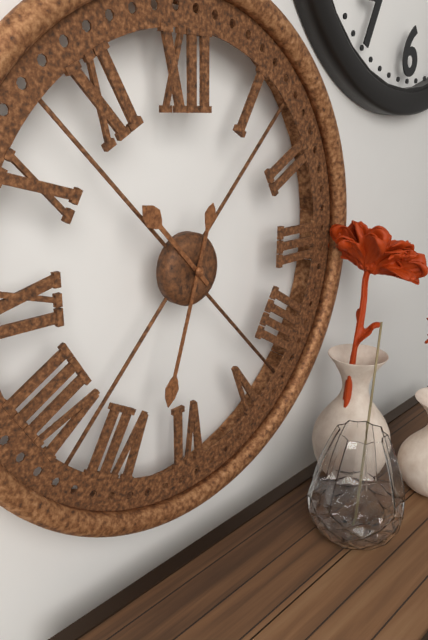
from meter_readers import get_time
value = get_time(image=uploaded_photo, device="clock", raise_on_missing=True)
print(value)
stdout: 10:33
